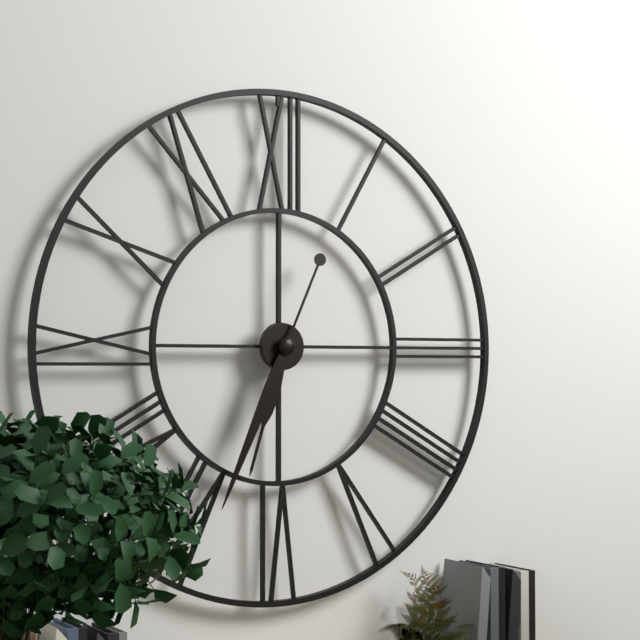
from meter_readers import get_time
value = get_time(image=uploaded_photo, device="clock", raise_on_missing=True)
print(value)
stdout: 6:34
